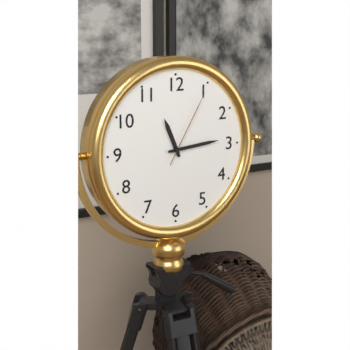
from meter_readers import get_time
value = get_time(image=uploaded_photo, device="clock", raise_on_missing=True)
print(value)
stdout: 11:14:05
